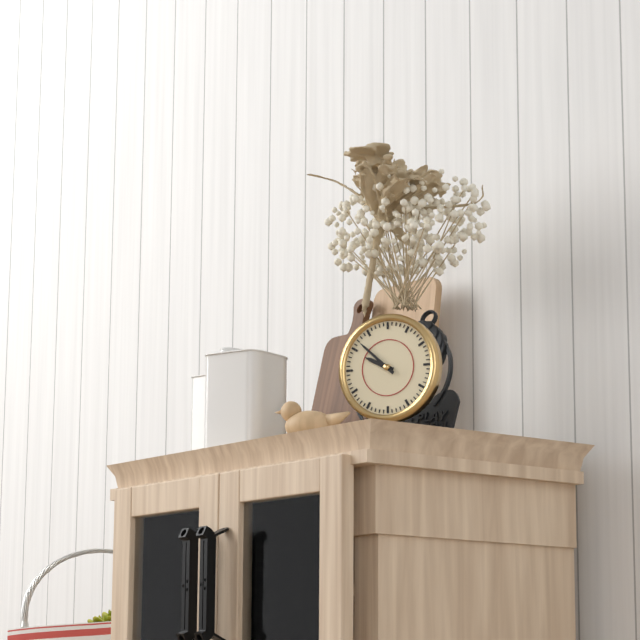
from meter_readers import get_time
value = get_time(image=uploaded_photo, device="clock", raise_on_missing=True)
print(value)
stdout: 9:52
